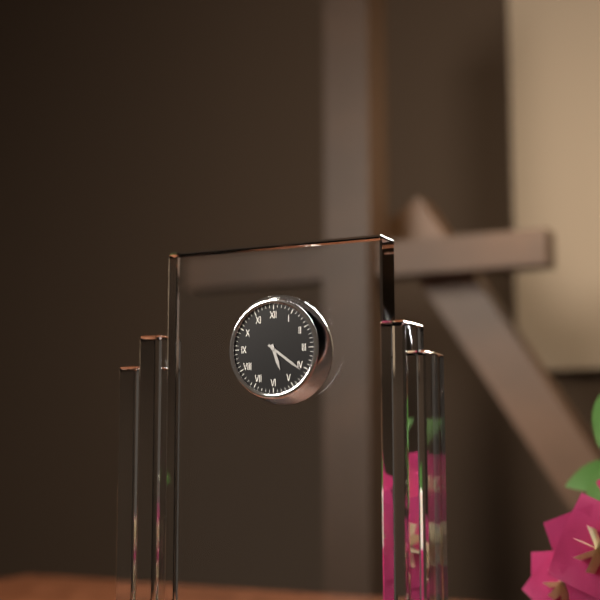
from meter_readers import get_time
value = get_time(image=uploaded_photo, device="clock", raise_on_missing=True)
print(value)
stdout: 5:21
